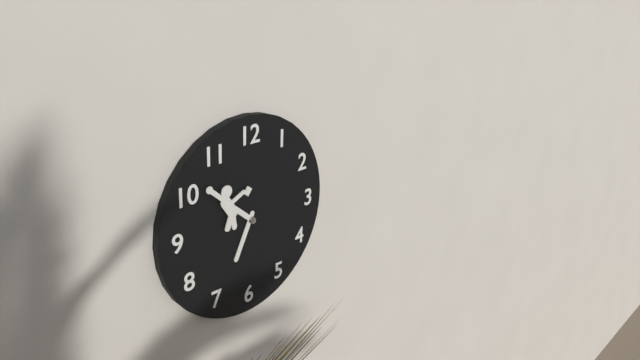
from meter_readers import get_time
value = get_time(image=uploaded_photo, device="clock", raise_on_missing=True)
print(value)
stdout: 6:51
